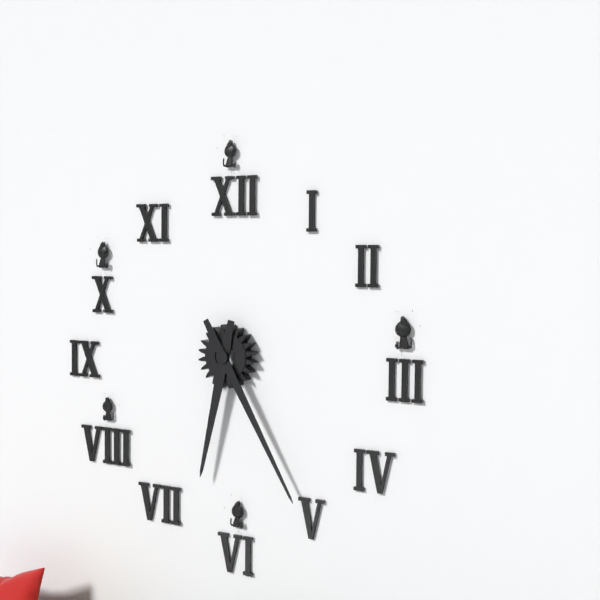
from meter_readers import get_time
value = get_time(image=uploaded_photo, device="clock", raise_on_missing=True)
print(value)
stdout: 6:25
